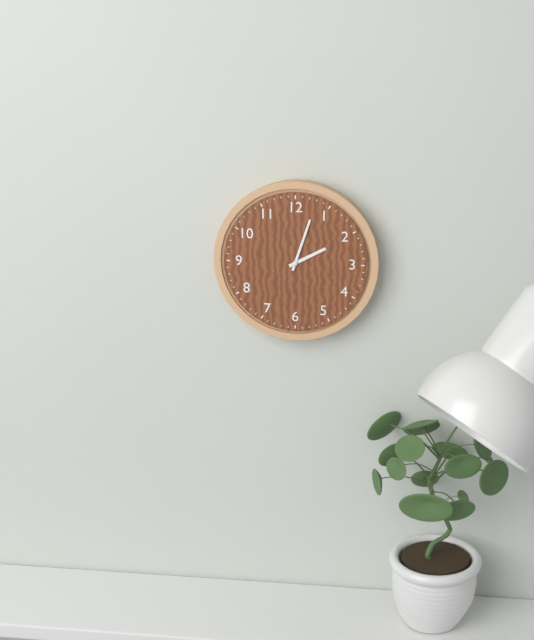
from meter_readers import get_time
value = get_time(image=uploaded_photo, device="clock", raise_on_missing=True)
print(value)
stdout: 2:03
